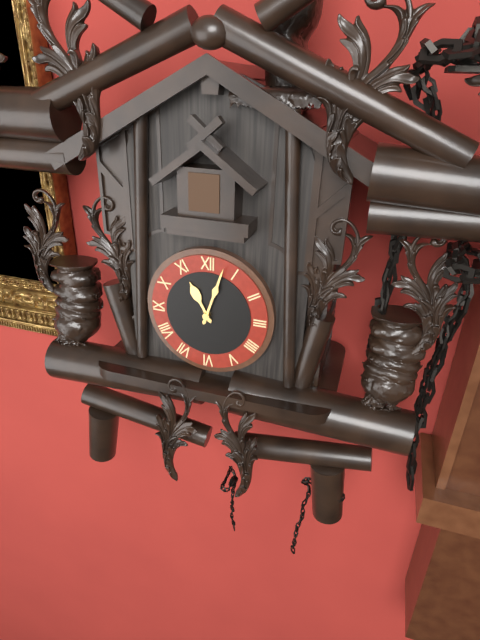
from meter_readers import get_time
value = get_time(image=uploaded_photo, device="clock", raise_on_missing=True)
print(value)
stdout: 11:03
